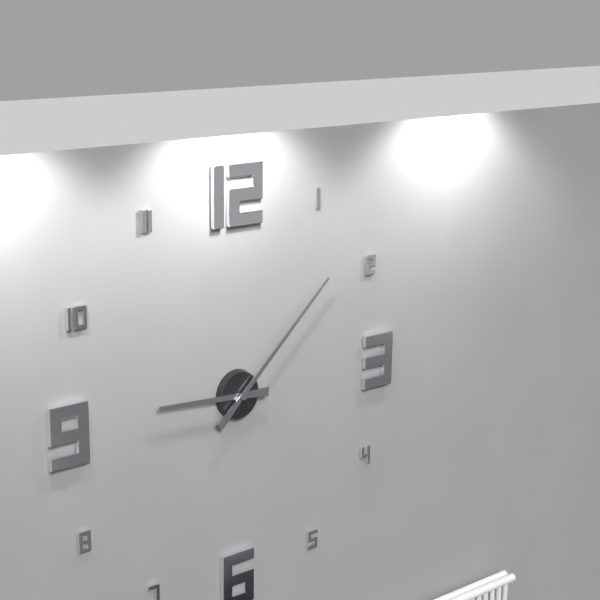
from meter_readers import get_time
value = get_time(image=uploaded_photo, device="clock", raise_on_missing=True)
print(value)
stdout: 9:08
